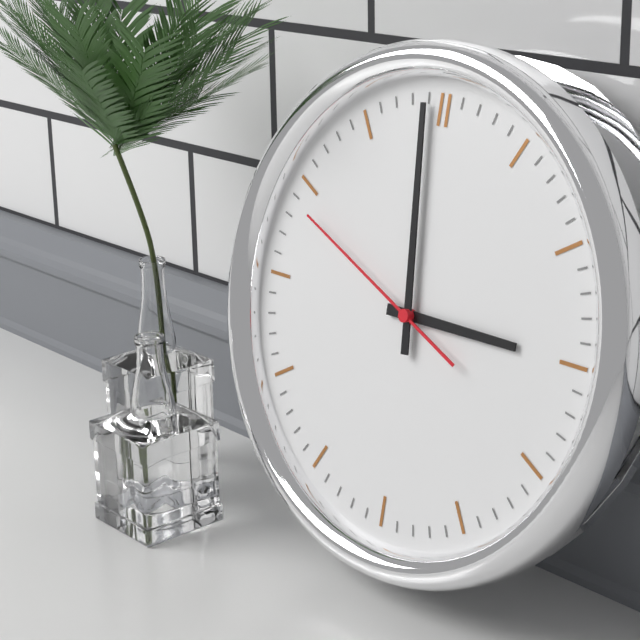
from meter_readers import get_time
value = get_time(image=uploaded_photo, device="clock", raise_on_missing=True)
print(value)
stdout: 2:59:49
